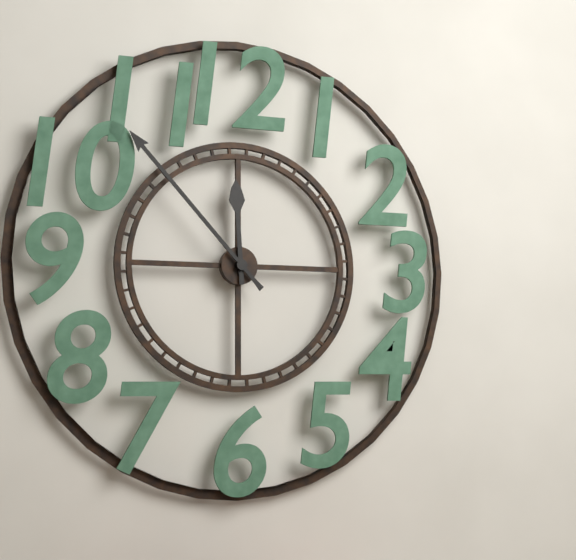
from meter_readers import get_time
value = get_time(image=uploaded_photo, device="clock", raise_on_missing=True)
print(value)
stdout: 11:53
